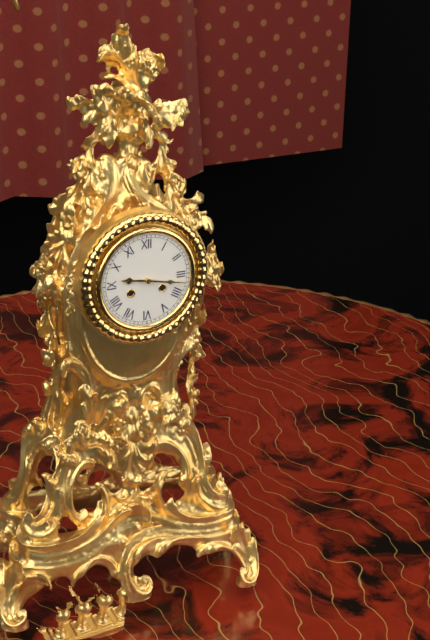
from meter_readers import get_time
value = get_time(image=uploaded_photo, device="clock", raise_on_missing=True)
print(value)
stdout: 9:17
